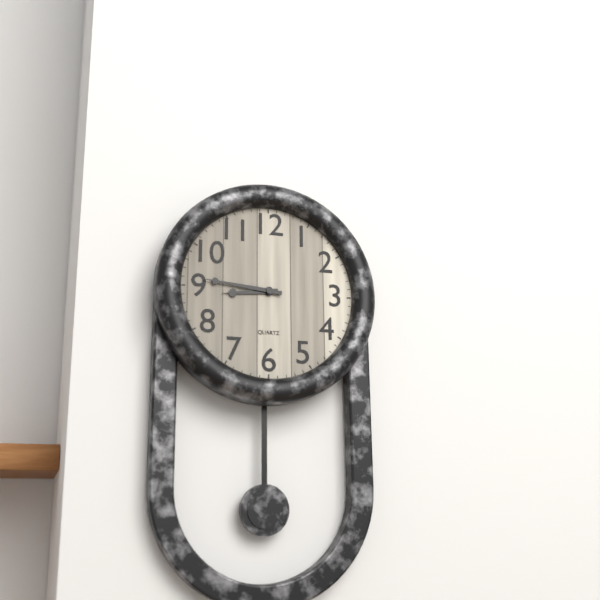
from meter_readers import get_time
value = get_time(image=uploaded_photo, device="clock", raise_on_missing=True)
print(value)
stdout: 8:46
